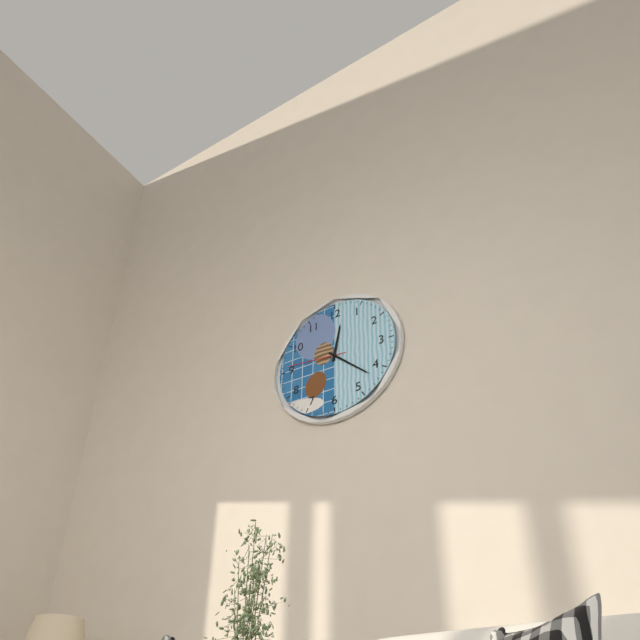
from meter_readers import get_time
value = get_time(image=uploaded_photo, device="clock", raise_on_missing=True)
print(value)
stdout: 12:22:46
